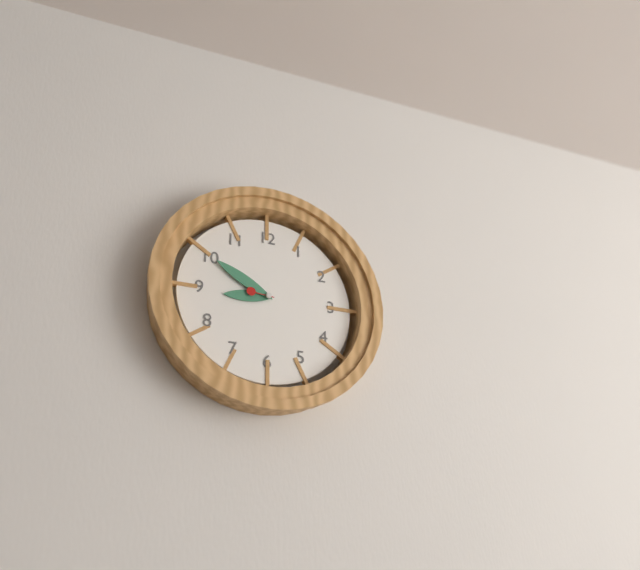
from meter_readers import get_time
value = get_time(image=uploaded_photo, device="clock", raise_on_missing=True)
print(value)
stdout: 8:50
